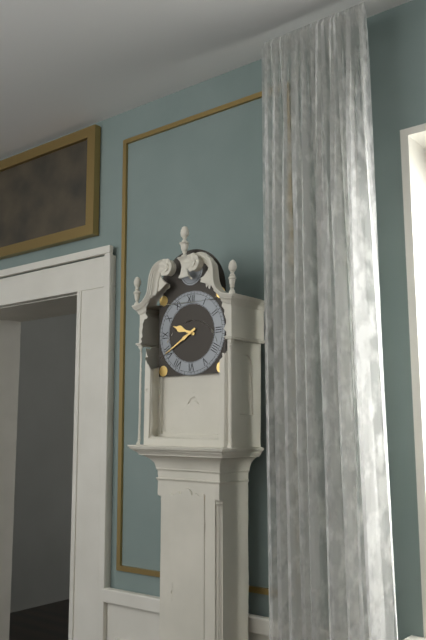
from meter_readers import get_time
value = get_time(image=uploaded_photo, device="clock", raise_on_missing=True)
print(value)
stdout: 9:40
